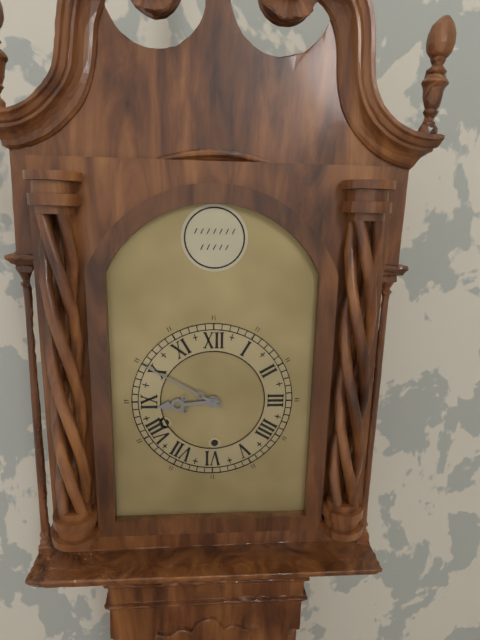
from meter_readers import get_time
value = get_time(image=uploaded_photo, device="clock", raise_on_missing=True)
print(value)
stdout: 8:50
